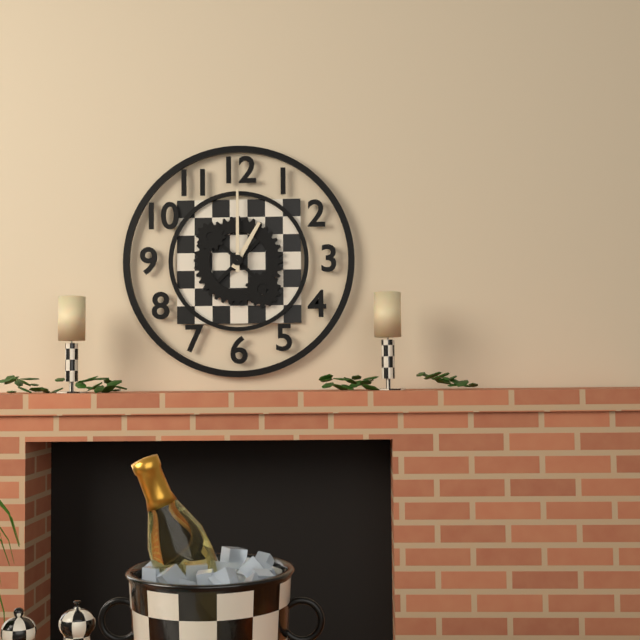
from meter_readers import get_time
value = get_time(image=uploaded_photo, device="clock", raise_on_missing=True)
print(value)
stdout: 1:00
